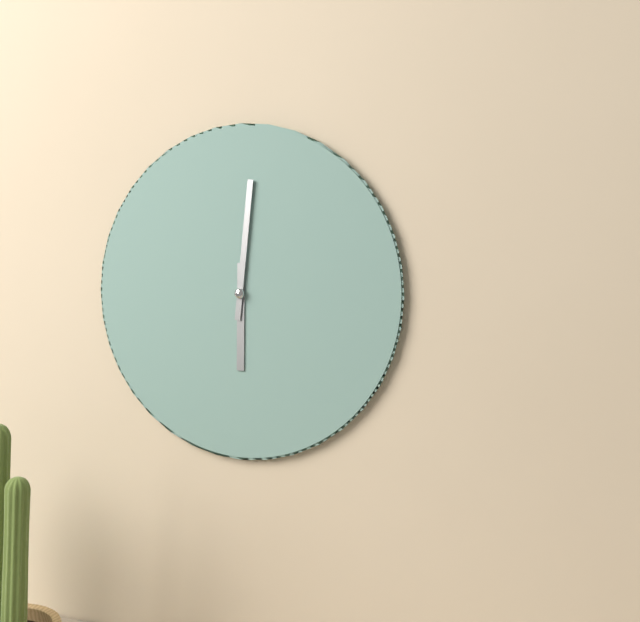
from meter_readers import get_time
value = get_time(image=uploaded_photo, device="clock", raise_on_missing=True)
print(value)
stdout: 6:01
